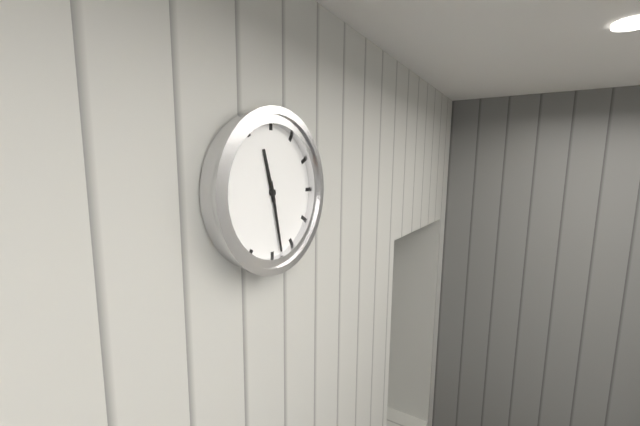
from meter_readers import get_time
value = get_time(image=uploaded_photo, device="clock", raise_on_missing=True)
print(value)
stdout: 11:28
